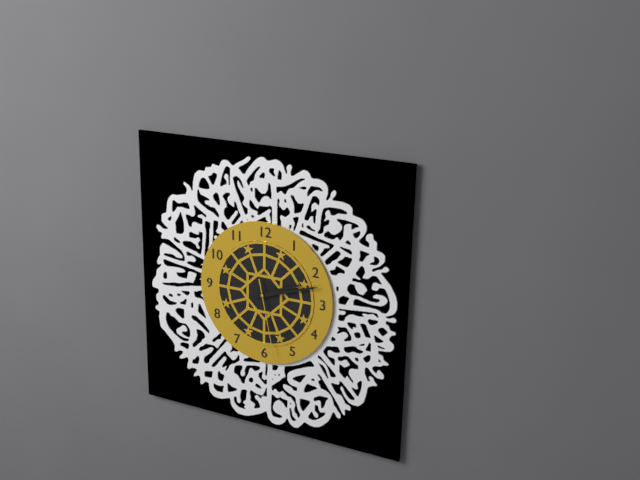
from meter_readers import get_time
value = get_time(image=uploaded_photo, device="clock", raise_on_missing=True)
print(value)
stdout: 2:12:28
